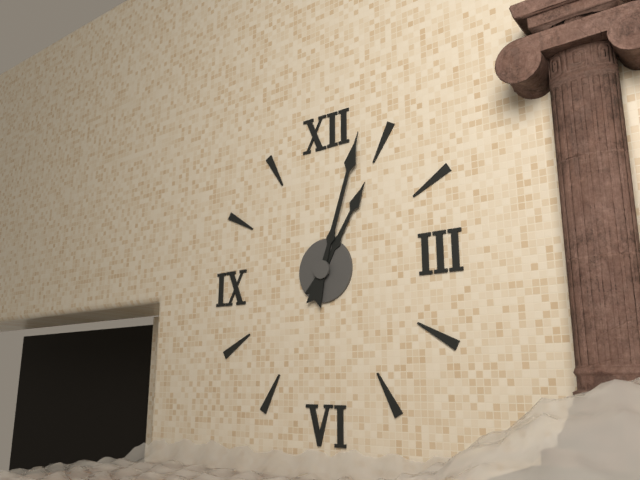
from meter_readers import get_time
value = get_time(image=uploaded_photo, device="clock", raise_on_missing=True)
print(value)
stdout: 1:03
